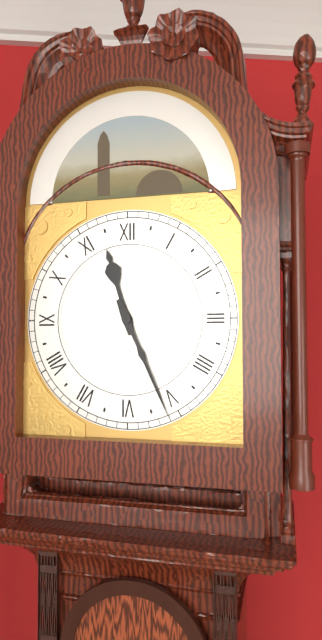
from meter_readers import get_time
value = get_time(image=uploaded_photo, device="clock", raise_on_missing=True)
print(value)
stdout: 11:26
